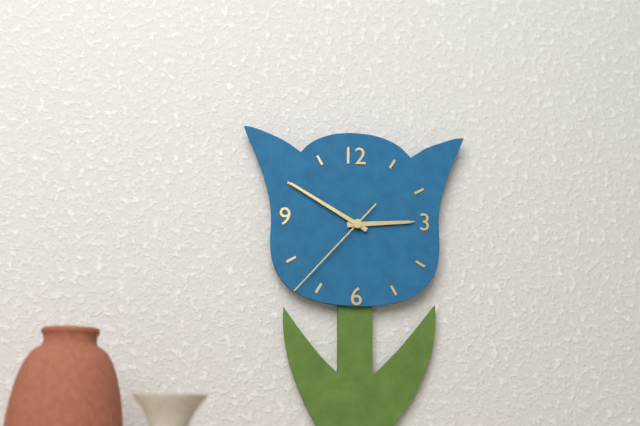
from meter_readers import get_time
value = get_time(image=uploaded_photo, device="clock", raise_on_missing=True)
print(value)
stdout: 2:50:37
